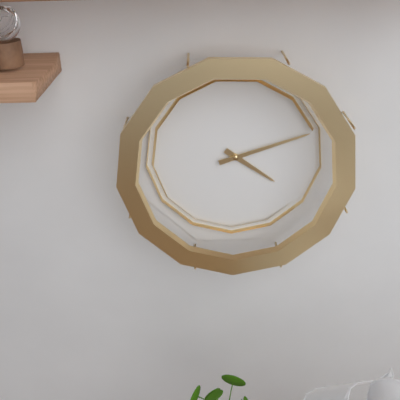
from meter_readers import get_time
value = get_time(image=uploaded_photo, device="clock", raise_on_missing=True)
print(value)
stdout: 4:12
